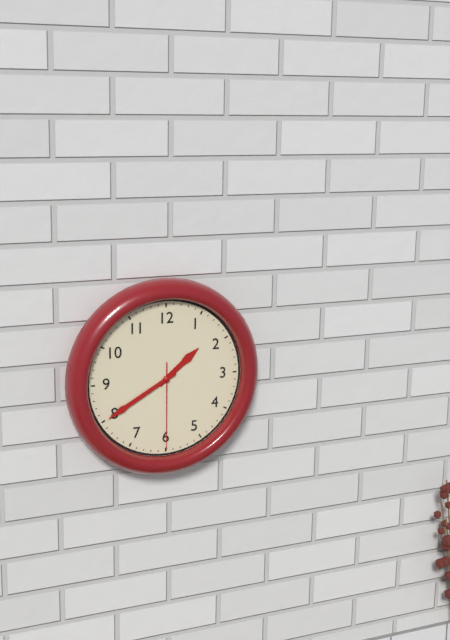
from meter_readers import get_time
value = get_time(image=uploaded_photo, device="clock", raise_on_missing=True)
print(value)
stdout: 1:40:30
